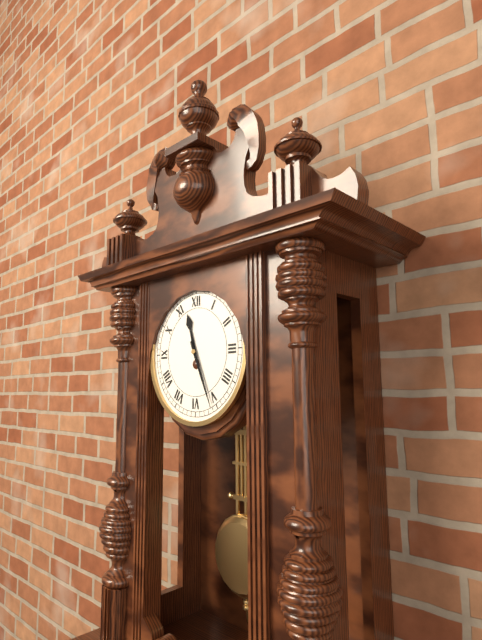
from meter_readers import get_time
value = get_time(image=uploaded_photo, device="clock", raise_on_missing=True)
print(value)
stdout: 11:26
